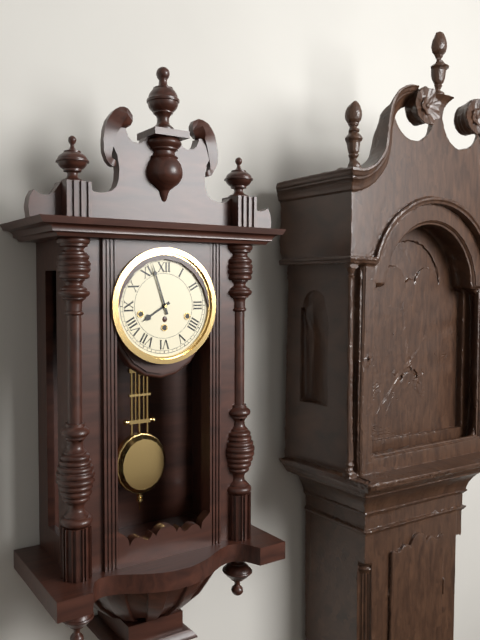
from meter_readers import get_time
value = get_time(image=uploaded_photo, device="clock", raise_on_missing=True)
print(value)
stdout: 7:57
